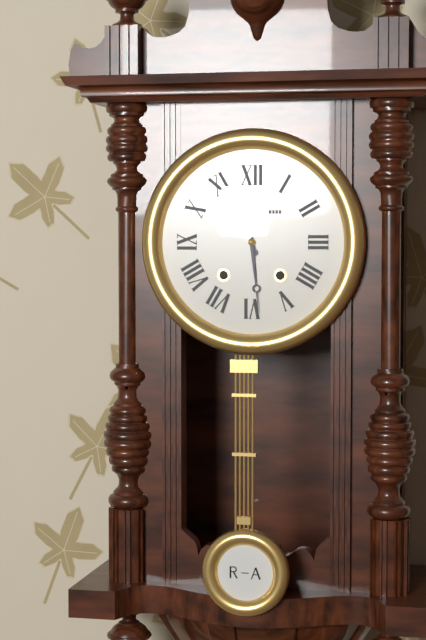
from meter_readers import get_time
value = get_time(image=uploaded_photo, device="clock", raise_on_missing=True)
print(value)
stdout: 11:29
